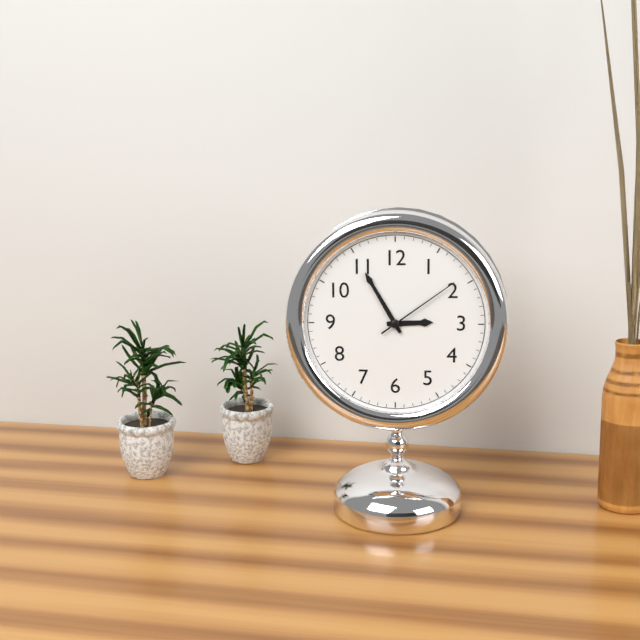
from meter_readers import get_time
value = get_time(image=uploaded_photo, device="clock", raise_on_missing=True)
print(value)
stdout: 2:55:09
